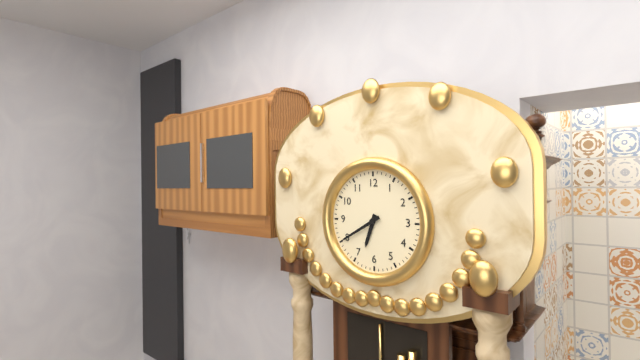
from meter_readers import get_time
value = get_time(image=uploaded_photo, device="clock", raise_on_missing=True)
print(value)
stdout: 6:40
